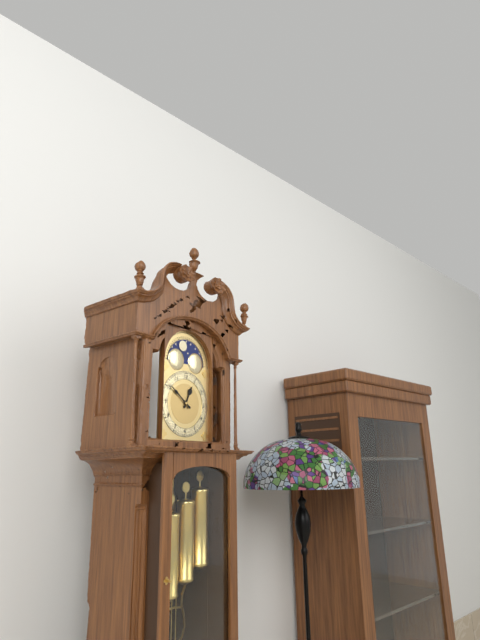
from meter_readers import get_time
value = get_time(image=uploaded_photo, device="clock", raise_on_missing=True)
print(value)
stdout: 12:51
